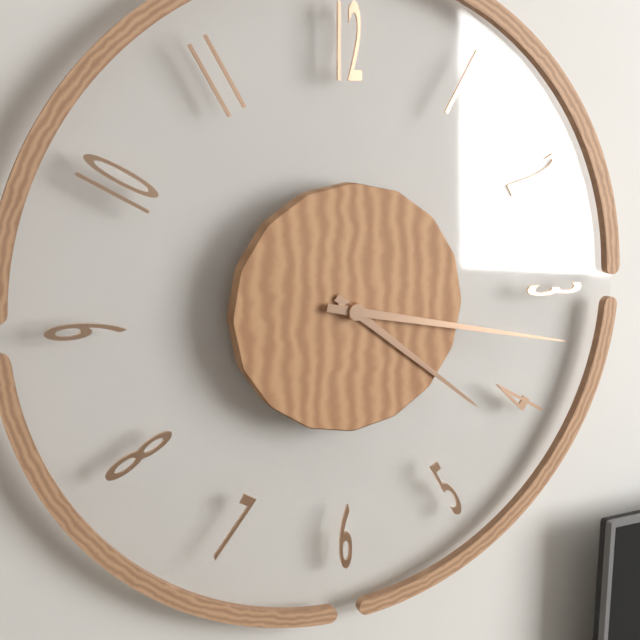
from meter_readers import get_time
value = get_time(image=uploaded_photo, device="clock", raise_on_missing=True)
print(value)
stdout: 4:17
